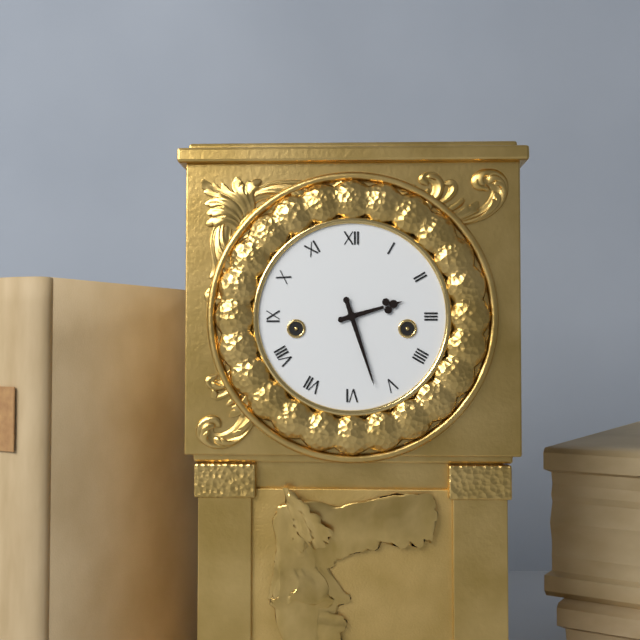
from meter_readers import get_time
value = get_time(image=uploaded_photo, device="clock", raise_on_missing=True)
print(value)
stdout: 2:27
